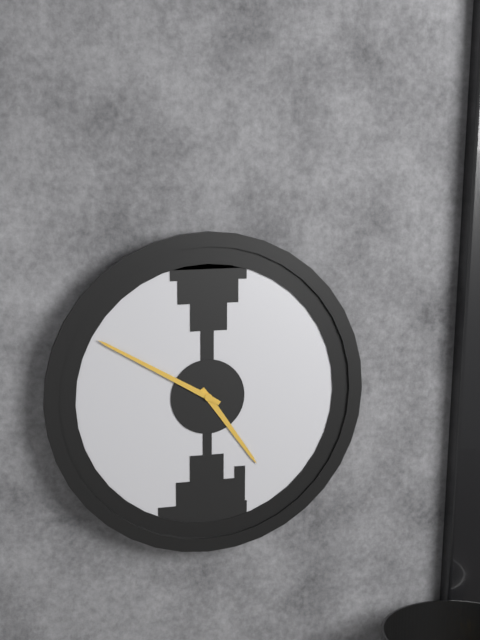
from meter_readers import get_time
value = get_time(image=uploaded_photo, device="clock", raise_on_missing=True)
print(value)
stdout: 4:50
